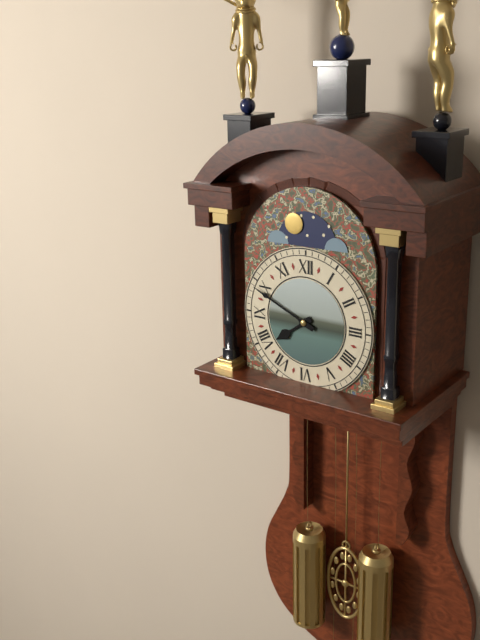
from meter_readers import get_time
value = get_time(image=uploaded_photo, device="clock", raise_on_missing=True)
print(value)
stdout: 7:49
